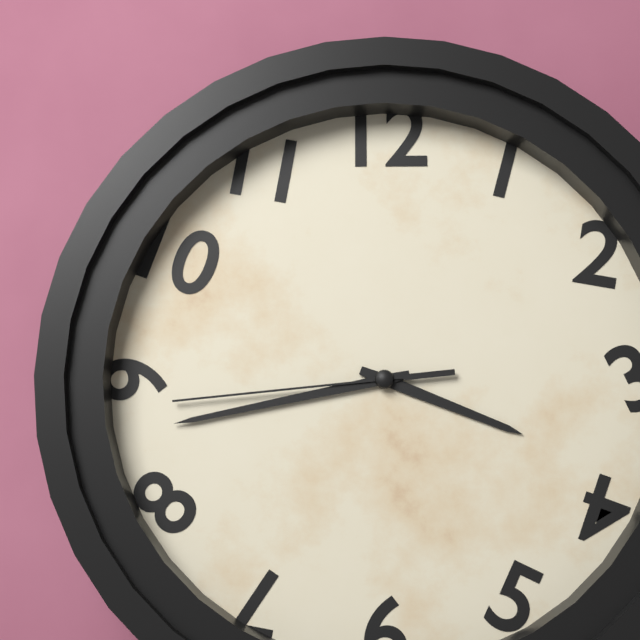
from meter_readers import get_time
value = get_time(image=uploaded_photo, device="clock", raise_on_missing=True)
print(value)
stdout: 3:43:44
